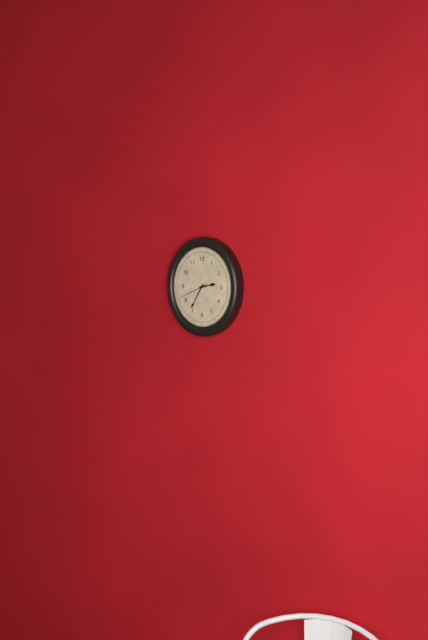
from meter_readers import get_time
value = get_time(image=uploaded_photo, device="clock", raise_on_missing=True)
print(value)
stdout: 2:35
